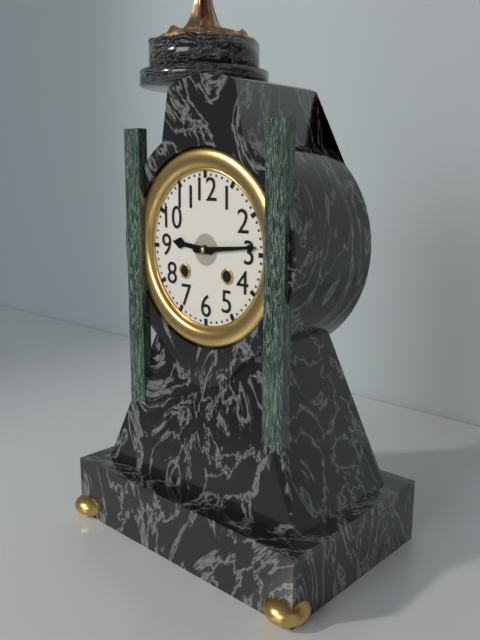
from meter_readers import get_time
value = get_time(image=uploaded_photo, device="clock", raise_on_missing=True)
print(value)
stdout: 9:14
